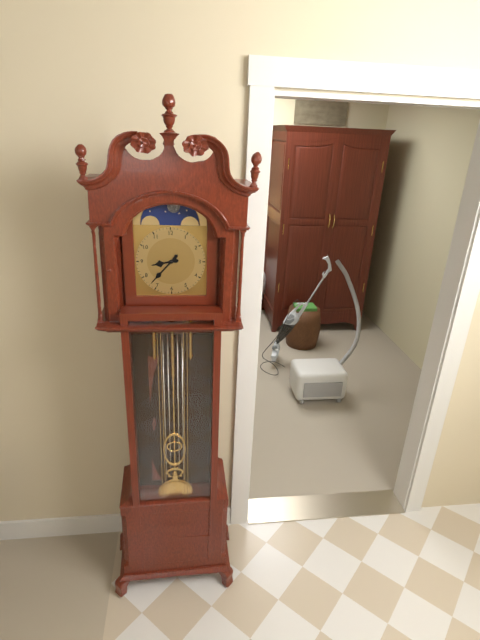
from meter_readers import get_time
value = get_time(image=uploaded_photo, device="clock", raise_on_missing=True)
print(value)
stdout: 8:37
